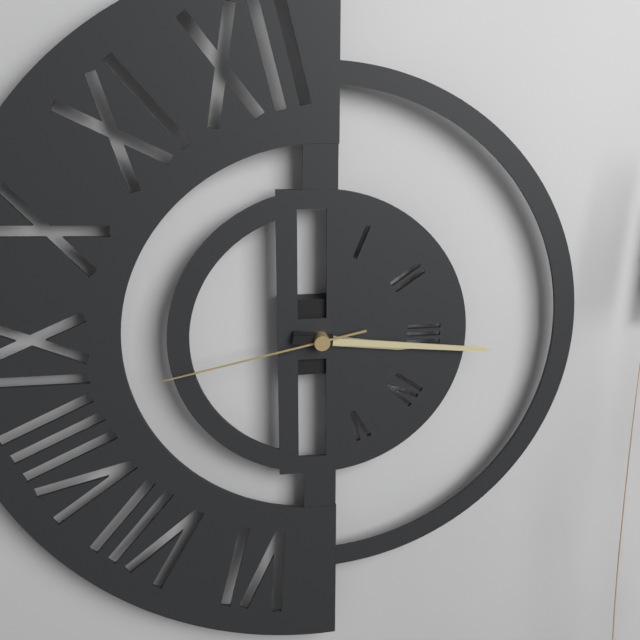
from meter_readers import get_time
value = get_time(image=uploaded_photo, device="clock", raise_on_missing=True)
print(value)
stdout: 3:16:43
